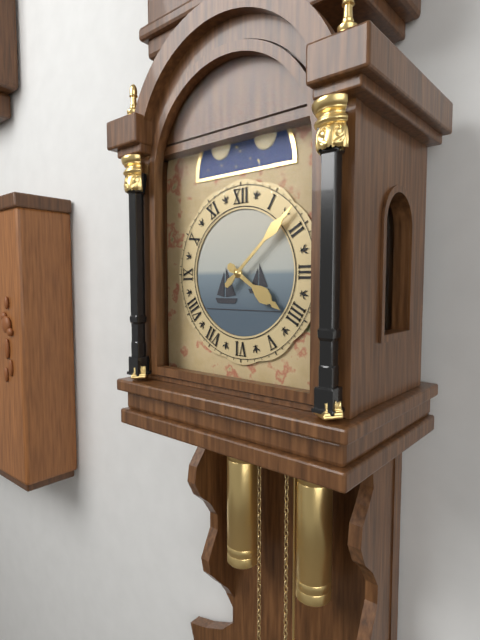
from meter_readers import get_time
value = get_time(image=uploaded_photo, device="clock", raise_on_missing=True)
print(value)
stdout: 4:08
